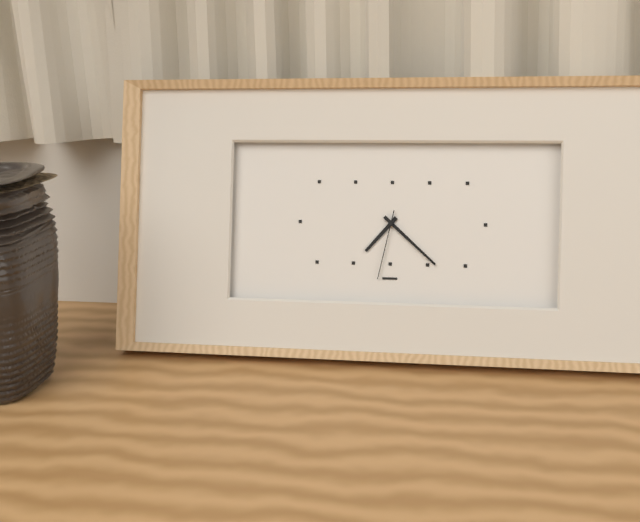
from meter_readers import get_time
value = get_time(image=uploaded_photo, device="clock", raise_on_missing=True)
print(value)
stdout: 7:22:32
